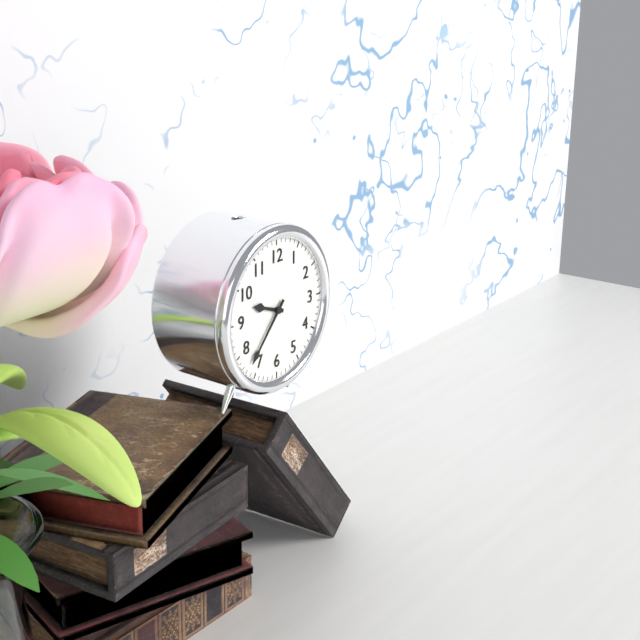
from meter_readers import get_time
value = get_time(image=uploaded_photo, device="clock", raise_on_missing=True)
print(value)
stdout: 9:37
